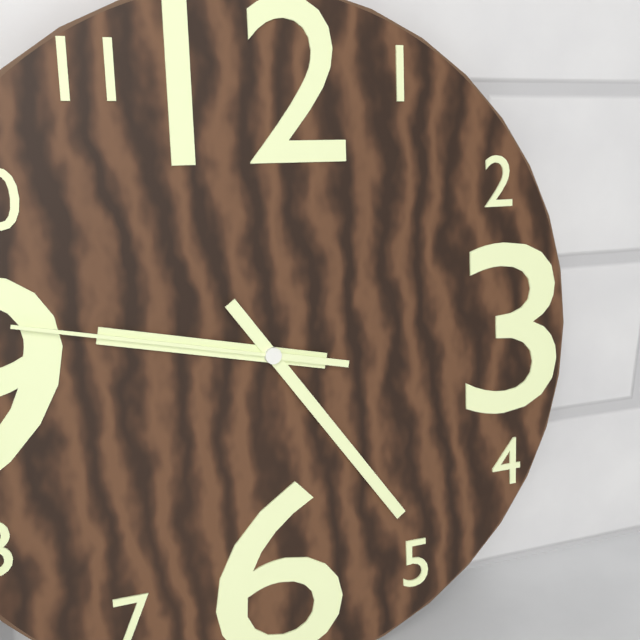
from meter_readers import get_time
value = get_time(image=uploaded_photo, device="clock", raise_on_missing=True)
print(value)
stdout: 9:24:47
